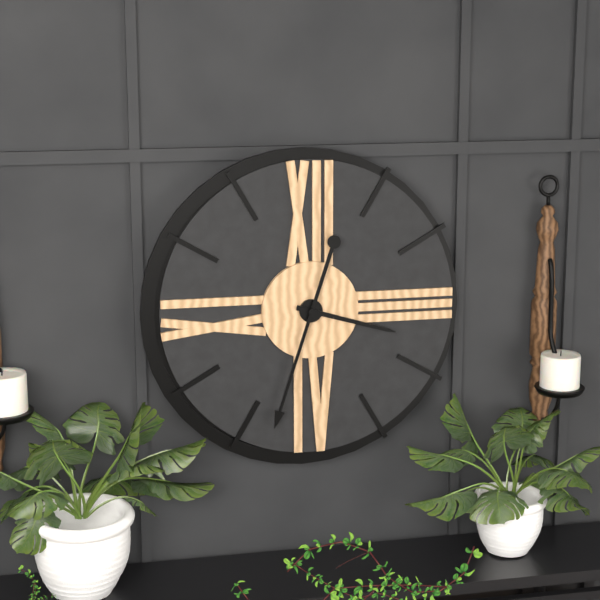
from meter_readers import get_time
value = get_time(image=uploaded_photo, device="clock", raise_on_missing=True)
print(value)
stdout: 3:33
